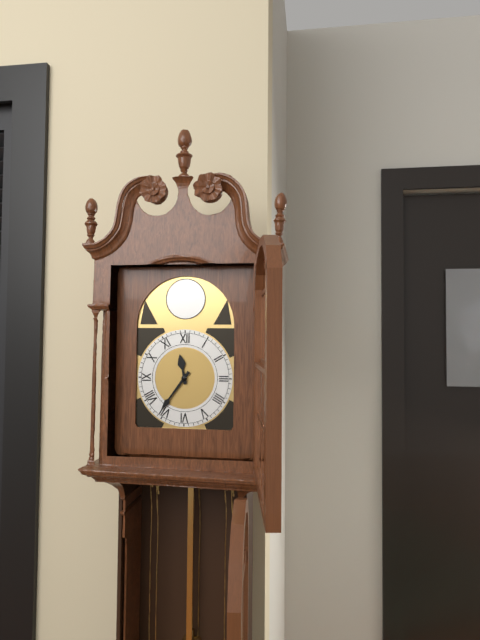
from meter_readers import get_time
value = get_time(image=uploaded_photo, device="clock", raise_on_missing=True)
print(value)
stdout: 11:36
